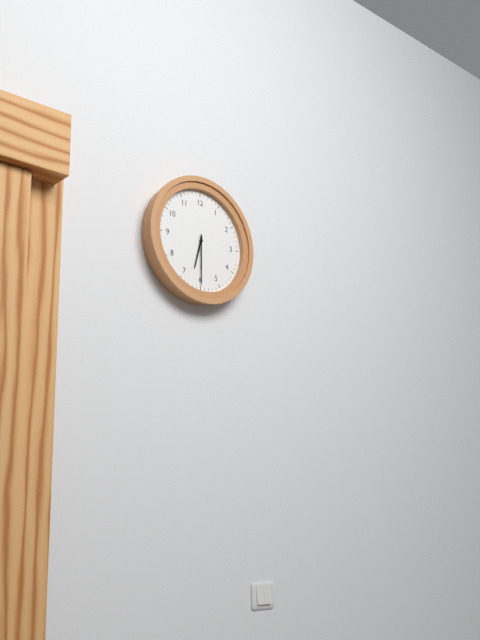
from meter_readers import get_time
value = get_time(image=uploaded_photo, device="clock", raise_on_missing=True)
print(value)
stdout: 6:30
